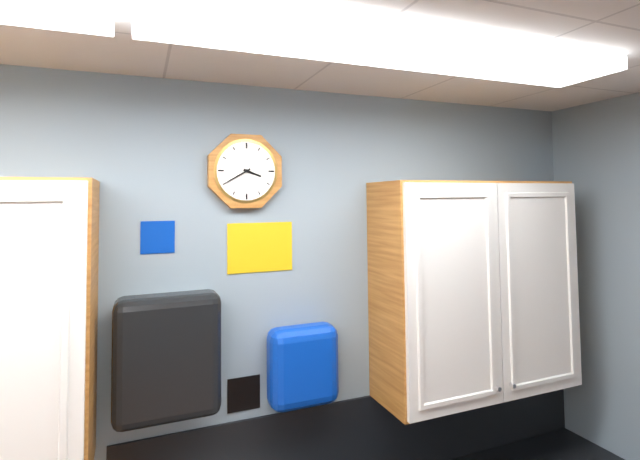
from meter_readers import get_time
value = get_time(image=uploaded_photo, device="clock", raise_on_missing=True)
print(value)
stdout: 3:40
